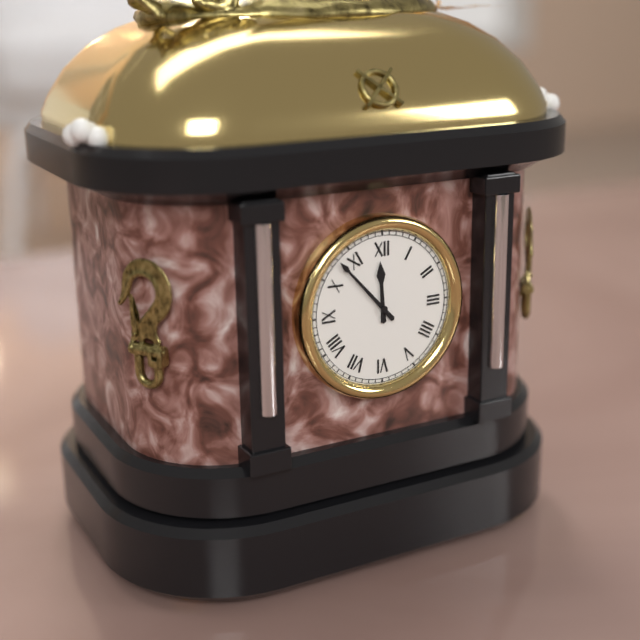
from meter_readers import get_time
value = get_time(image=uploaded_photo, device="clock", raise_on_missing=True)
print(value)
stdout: 11:53
